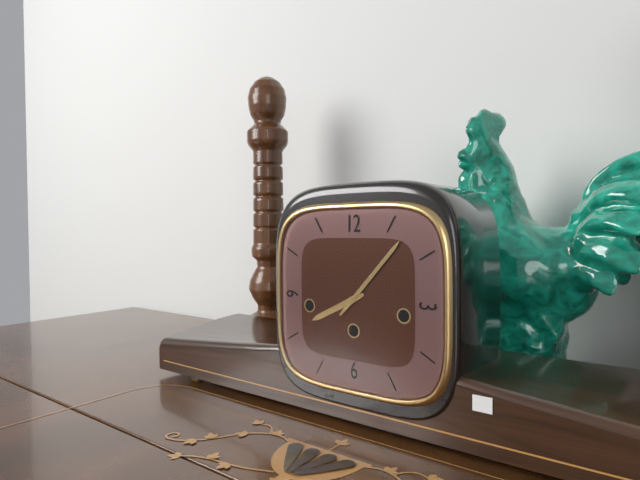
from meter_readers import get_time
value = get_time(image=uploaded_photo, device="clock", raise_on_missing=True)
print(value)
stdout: 8:07
